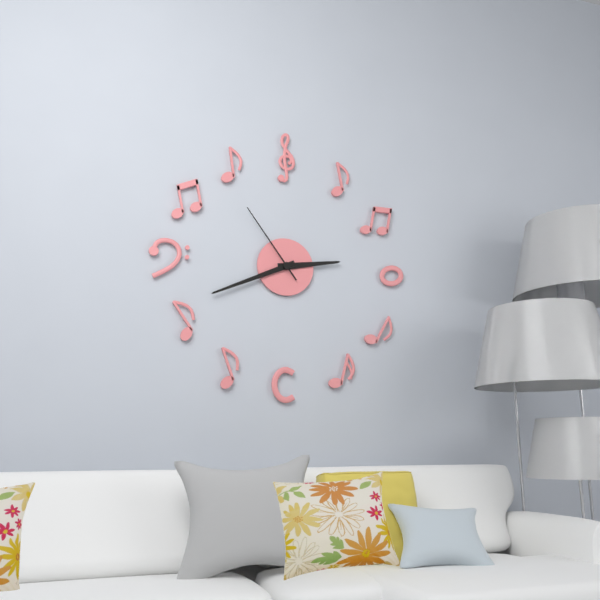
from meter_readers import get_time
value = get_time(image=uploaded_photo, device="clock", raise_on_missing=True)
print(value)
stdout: 2:41:54
